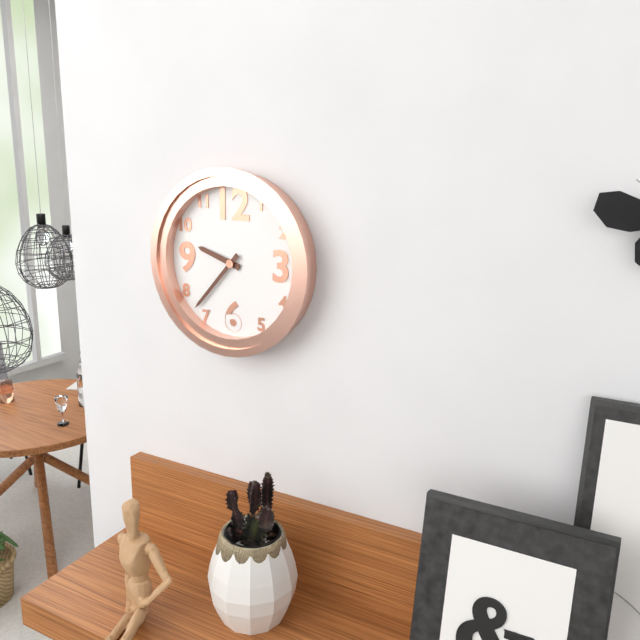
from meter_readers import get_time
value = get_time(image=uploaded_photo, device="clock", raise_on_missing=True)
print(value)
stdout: 9:37
